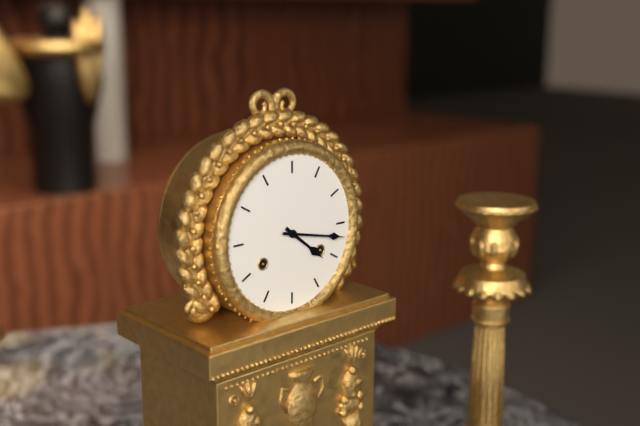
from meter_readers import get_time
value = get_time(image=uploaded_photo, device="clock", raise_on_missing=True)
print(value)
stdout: 4:17
